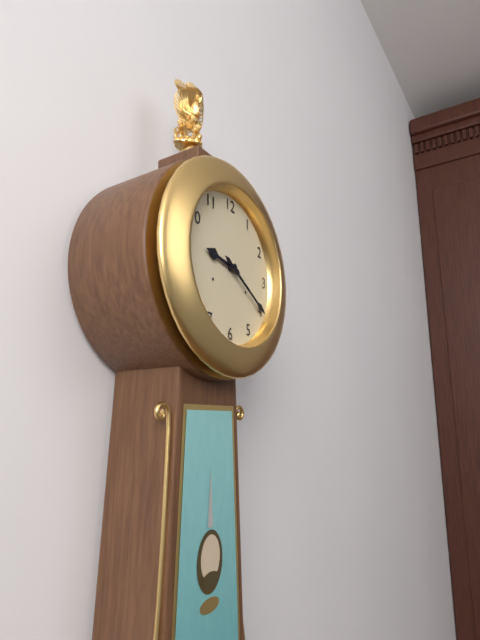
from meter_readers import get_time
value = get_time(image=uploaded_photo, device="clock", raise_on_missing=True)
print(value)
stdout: 9:20
